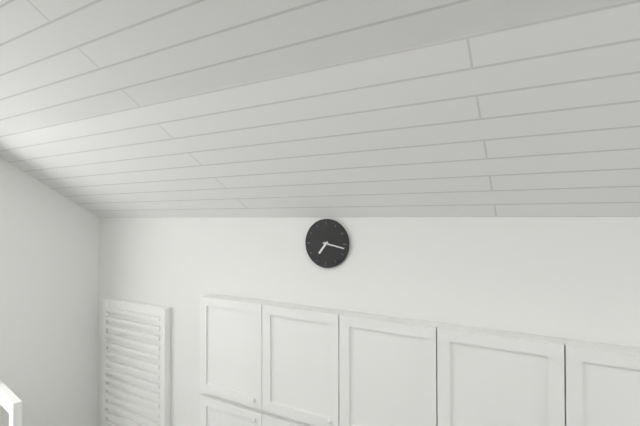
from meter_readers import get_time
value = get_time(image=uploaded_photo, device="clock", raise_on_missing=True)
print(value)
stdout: 7:17
